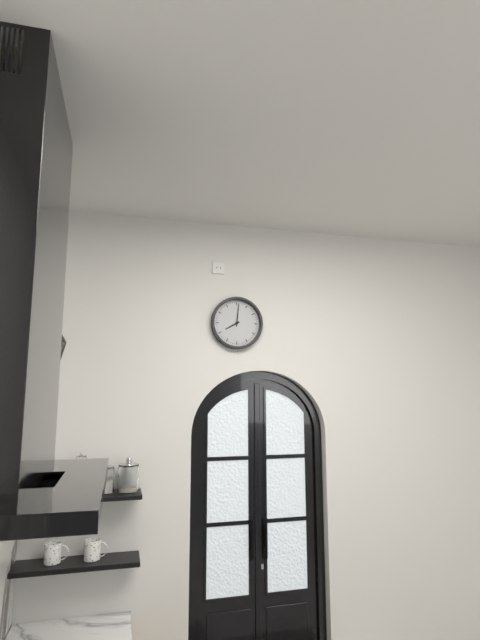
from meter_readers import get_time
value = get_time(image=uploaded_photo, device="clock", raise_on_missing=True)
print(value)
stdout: 8:01
